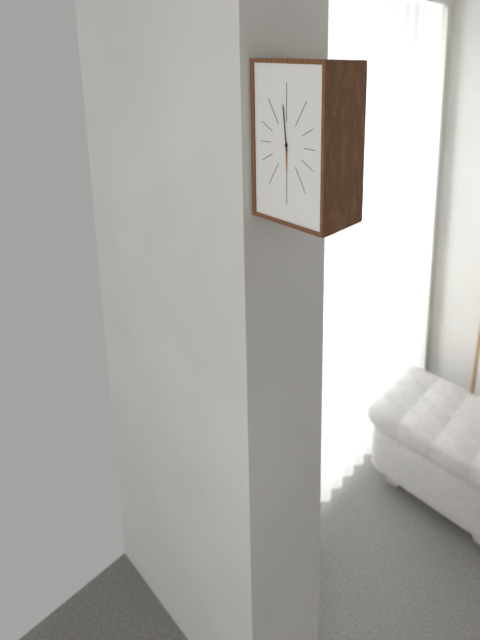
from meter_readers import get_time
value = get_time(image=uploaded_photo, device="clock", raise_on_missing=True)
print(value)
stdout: 5:59
